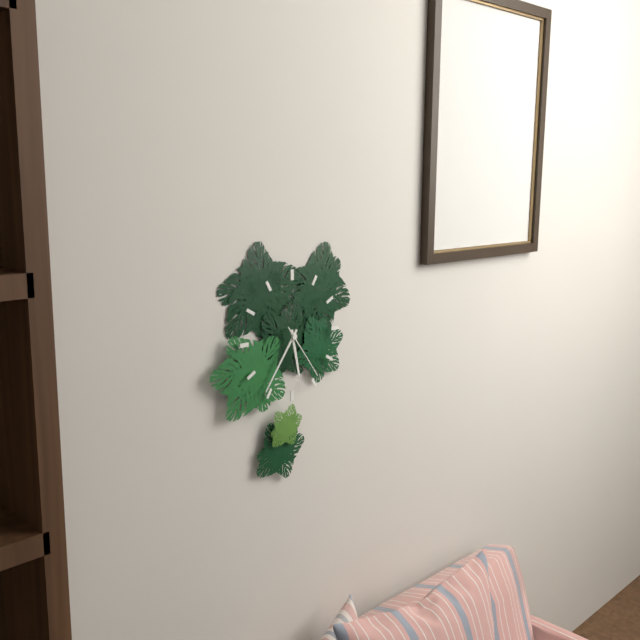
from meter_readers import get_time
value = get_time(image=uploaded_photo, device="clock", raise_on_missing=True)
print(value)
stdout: 5:36:24
